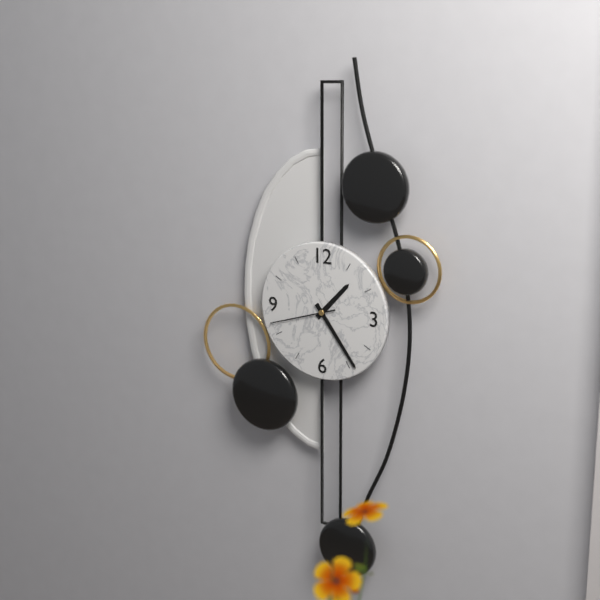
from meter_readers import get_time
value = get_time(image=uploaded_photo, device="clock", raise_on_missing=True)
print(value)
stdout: 1:24:42
